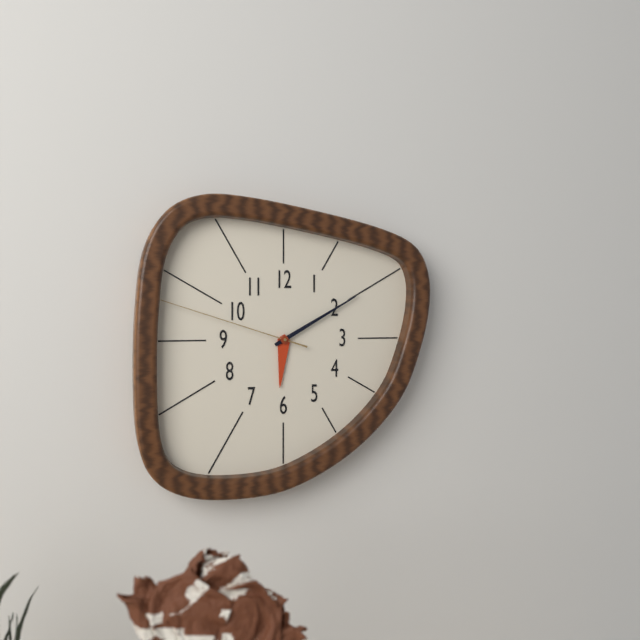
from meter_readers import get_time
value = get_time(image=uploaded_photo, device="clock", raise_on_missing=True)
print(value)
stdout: 6:10:48
